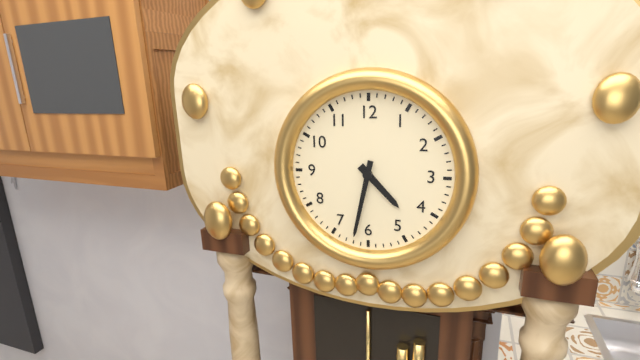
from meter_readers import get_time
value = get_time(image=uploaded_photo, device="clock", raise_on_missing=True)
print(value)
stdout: 4:32
